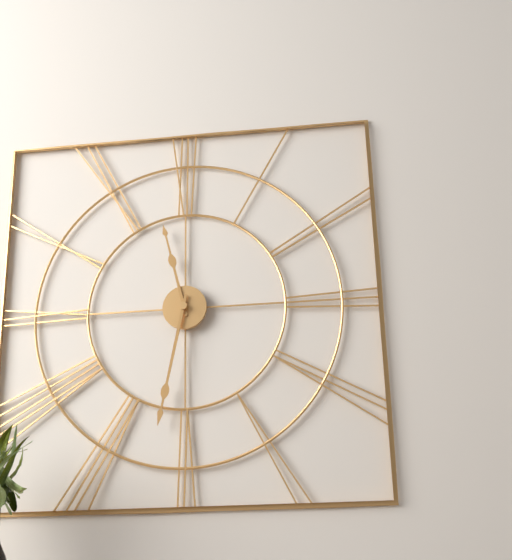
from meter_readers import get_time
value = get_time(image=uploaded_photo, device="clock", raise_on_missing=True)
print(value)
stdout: 11:32
